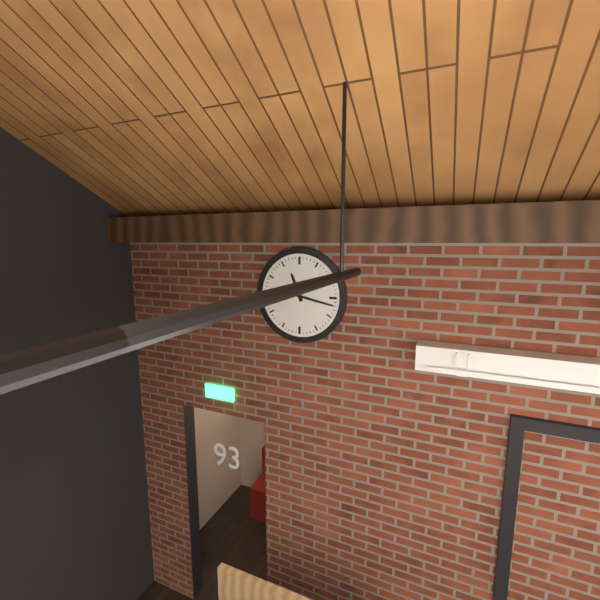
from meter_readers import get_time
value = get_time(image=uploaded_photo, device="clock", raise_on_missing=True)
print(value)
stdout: 11:17
